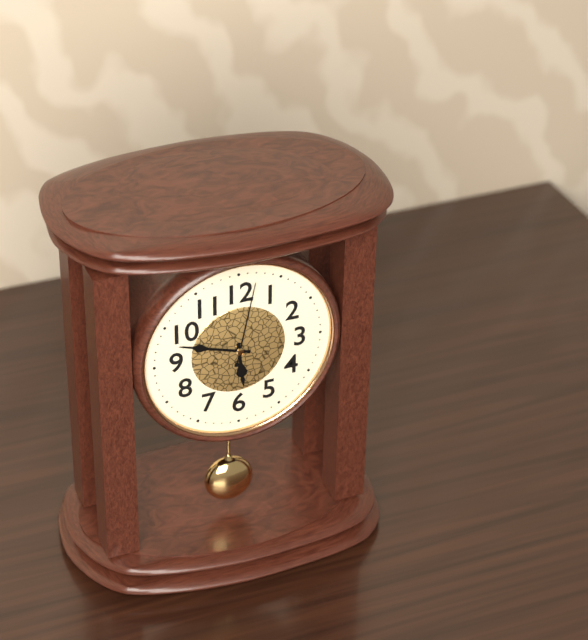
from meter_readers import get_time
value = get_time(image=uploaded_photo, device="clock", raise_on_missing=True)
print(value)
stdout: 5:48:02
